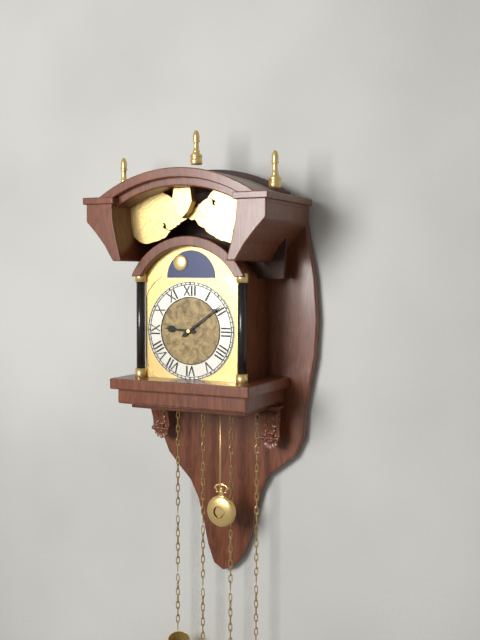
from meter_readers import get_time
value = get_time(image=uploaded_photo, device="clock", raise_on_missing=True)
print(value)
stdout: 9:09
